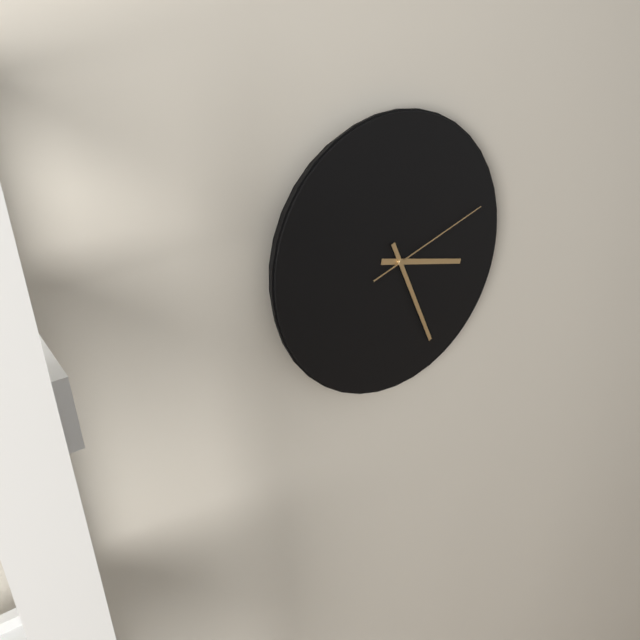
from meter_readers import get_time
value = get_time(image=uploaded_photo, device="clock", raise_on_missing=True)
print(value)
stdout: 3:26:12
